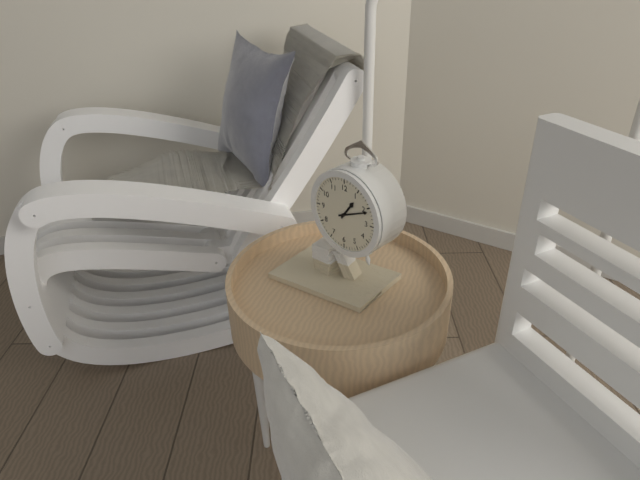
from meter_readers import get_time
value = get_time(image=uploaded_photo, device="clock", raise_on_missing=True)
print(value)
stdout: 1:11
